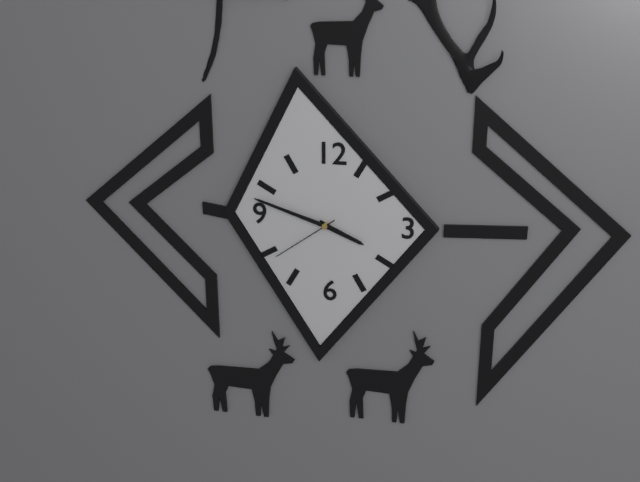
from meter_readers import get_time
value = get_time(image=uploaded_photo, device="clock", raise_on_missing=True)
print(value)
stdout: 3:48:39
